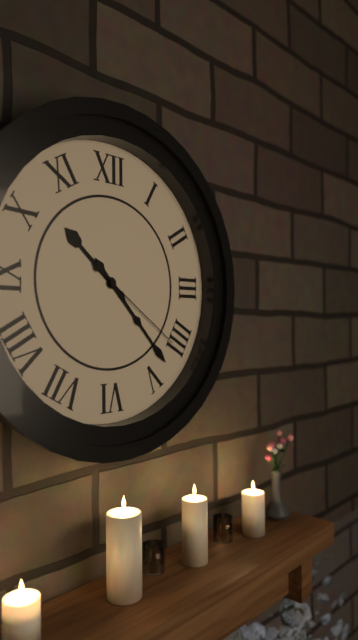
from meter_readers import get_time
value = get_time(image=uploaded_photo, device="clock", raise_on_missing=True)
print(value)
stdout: 10:23:21
